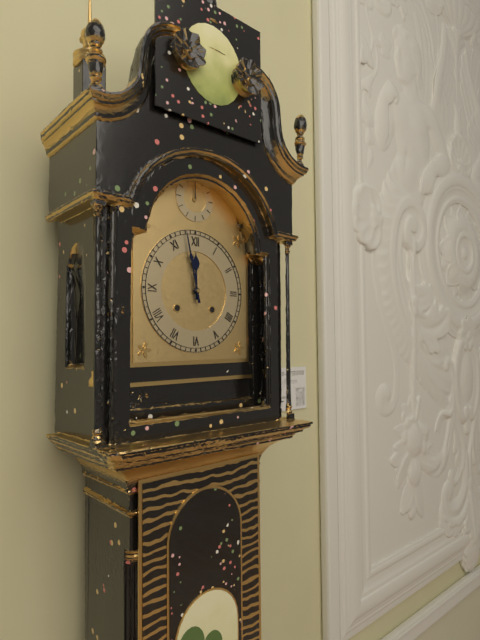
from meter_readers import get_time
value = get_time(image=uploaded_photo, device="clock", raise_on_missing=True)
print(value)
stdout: 11:58
